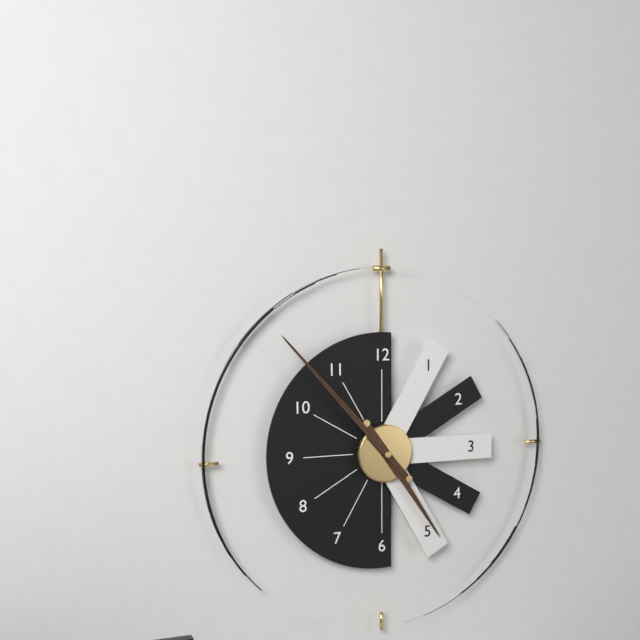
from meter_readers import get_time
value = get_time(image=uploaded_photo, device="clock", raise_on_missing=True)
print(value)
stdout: 4:53
